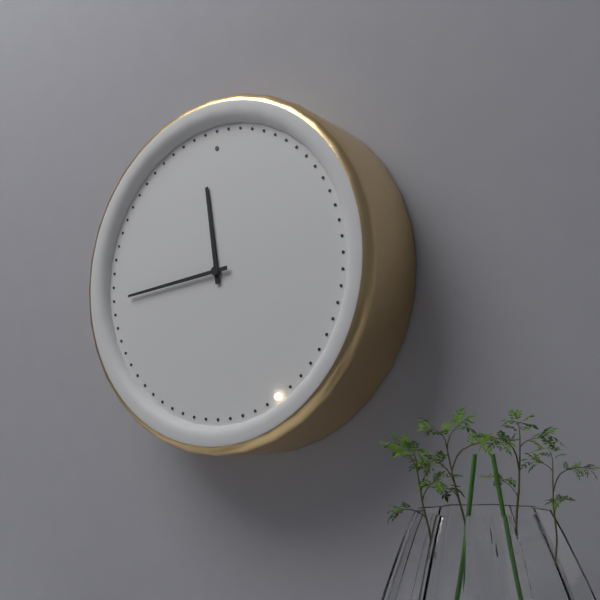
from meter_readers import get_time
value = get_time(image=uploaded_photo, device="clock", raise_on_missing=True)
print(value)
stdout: 11:44
